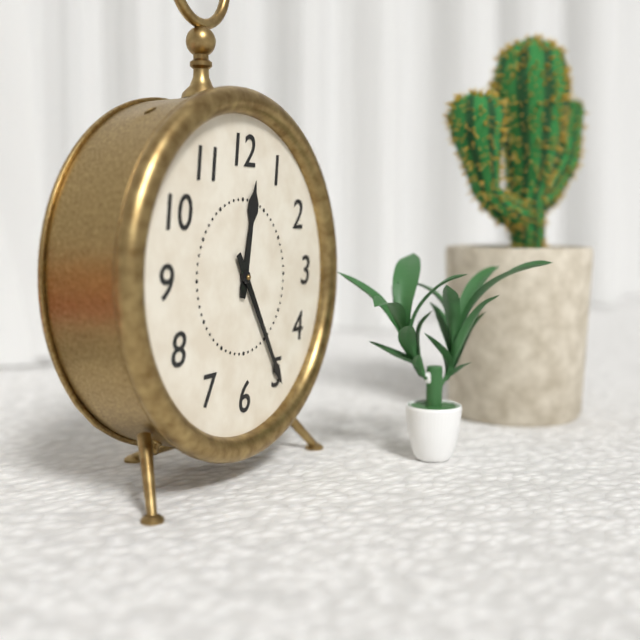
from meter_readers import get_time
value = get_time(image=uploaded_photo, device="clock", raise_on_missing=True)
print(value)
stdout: 12:25
